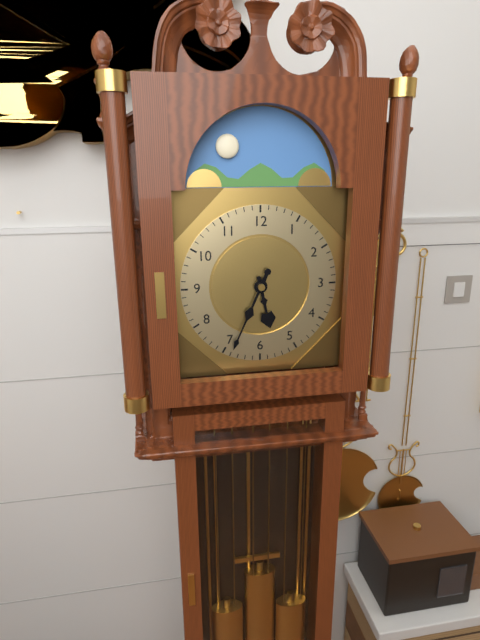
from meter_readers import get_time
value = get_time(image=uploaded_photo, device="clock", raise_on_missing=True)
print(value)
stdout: 5:34
